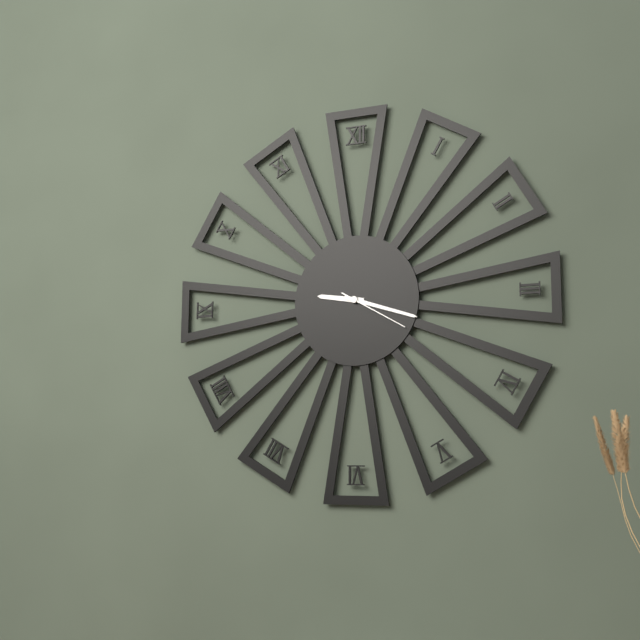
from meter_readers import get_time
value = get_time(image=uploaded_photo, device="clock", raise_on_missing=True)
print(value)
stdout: 9:18:20
